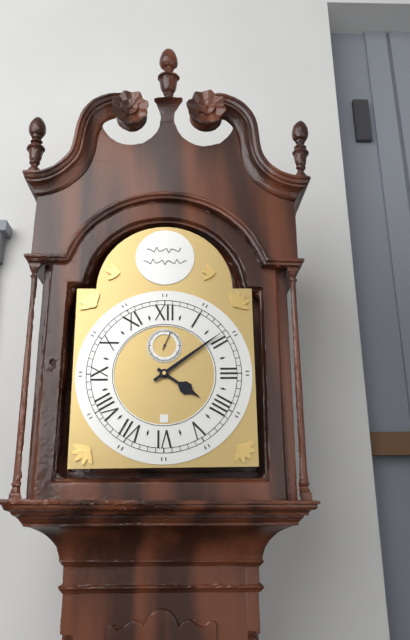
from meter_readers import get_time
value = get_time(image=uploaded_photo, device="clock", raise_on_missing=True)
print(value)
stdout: 4:09
